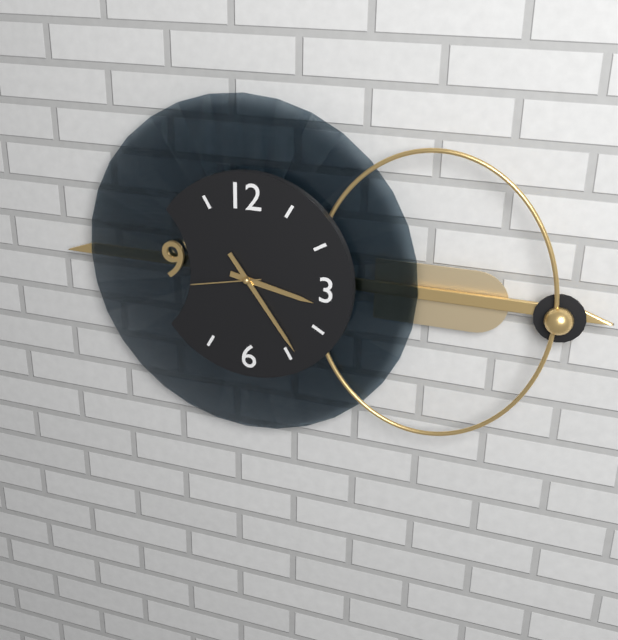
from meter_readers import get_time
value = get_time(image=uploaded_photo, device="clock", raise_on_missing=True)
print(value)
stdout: 3:24:43
